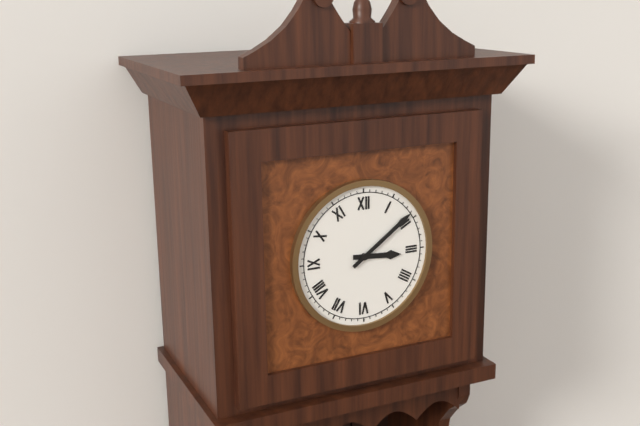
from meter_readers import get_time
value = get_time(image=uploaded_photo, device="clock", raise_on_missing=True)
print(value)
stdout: 3:09
